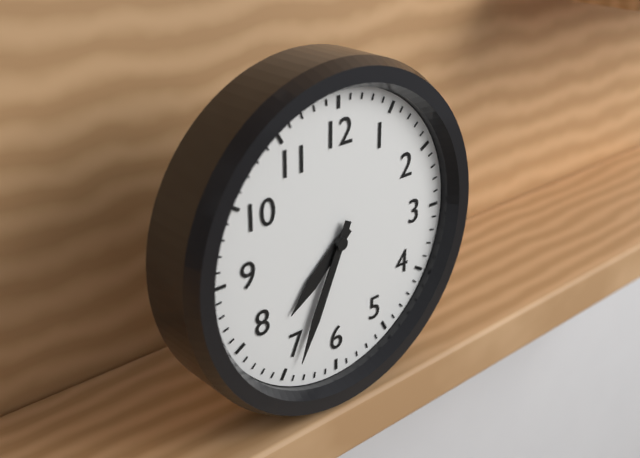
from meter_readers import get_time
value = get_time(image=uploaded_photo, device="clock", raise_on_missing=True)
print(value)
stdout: 7:34
